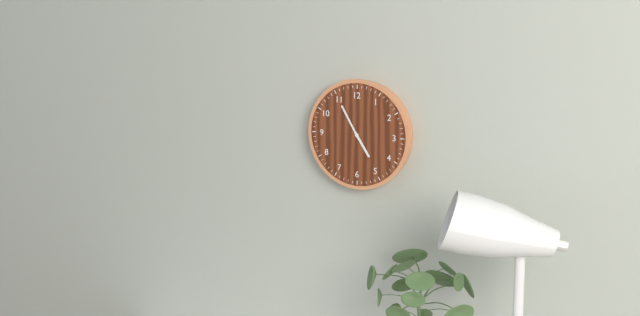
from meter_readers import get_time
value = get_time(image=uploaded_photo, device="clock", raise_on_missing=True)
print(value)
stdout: 4:55
